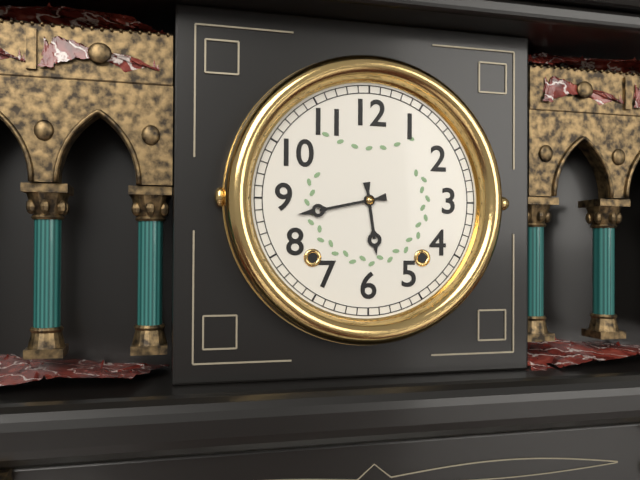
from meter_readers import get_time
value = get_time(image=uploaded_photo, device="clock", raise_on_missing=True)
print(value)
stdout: 5:43
